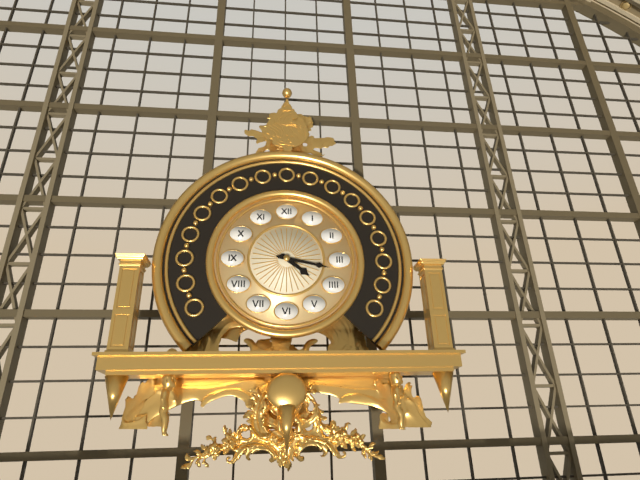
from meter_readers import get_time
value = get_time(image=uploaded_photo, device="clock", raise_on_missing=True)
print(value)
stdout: 4:17
